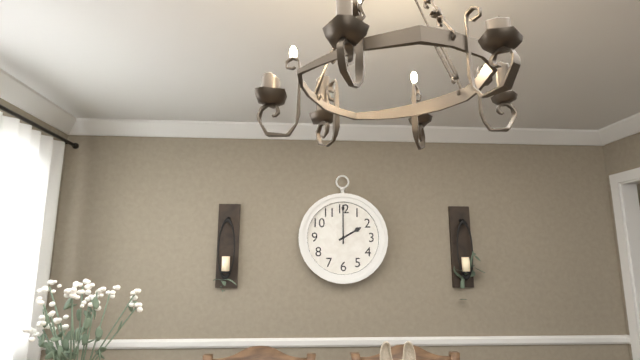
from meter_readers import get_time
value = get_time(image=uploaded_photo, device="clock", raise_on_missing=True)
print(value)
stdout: 2:00
